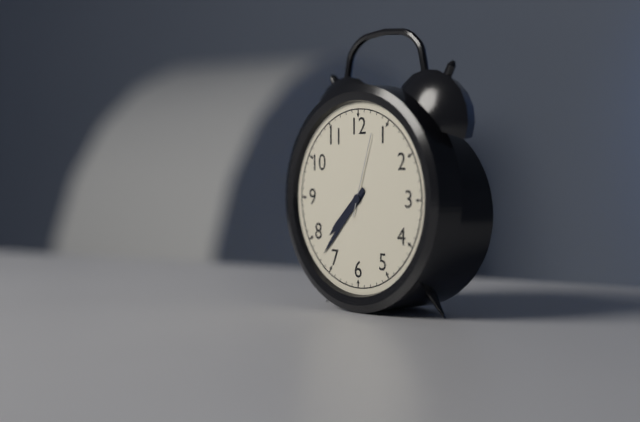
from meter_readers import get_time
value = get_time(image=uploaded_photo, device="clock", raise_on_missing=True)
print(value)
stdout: 7:37:03
